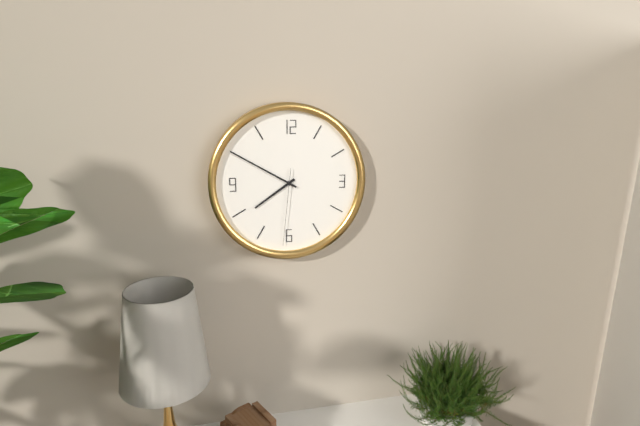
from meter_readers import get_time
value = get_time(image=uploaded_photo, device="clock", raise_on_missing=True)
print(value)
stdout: 7:50:31
